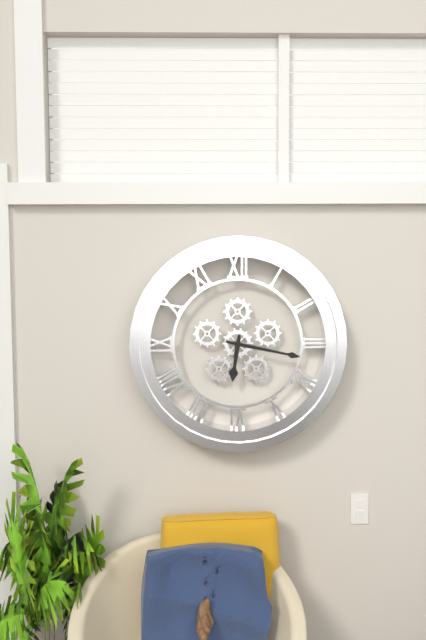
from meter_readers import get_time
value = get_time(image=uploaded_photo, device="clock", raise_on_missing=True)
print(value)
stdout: 6:17
